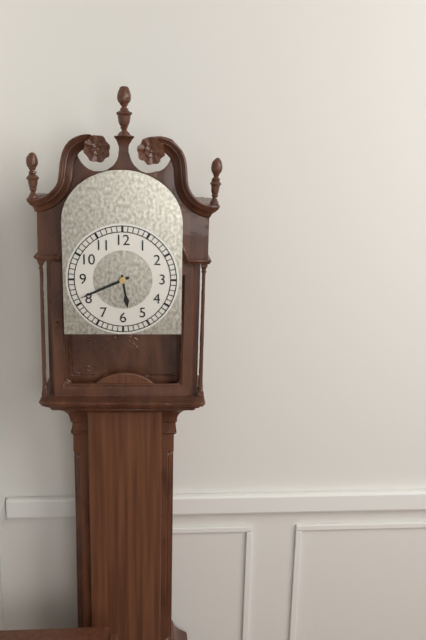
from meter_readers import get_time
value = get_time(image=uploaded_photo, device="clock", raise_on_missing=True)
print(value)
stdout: 5:41
